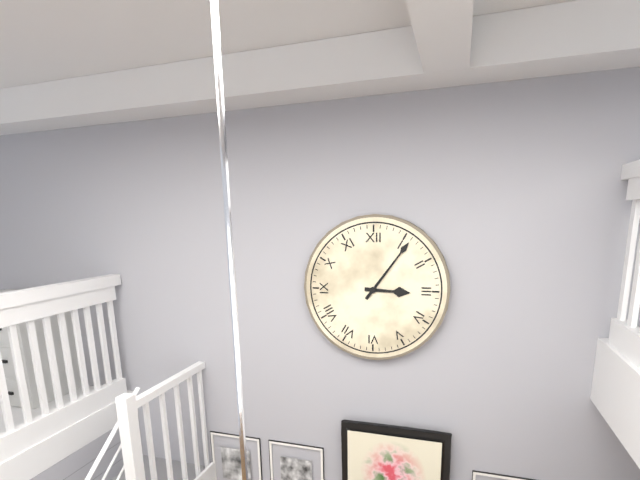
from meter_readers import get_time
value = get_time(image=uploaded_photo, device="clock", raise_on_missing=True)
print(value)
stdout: 3:06
